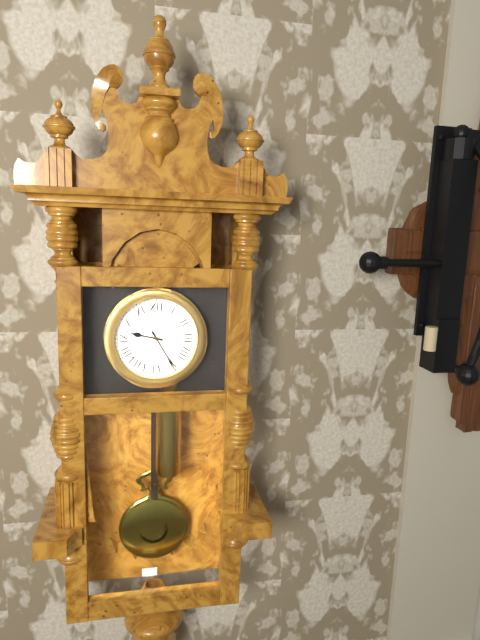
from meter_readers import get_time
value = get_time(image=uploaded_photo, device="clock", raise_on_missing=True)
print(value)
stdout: 9:25
